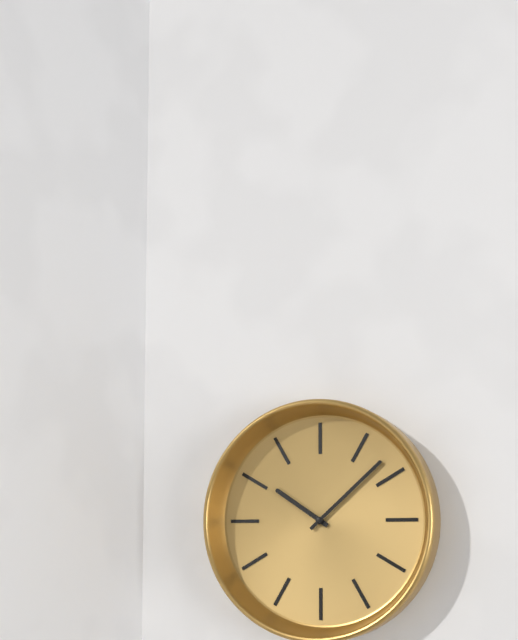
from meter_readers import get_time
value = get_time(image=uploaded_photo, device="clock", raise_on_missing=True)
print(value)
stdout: 10:08
